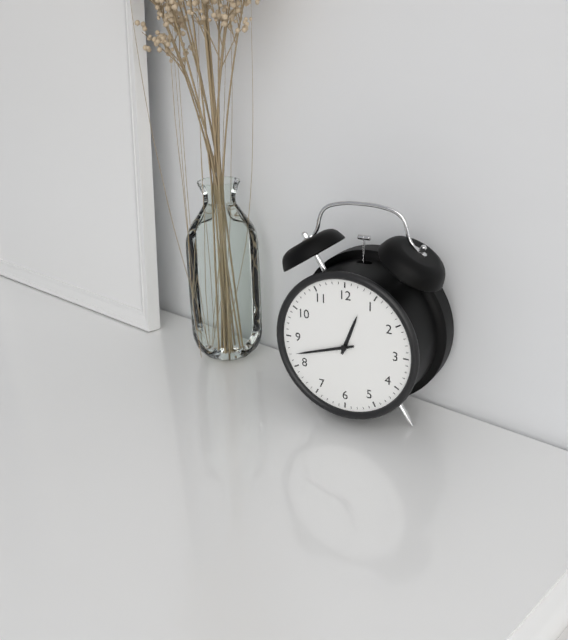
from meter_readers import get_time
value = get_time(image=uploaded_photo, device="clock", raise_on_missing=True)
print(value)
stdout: 12:42
